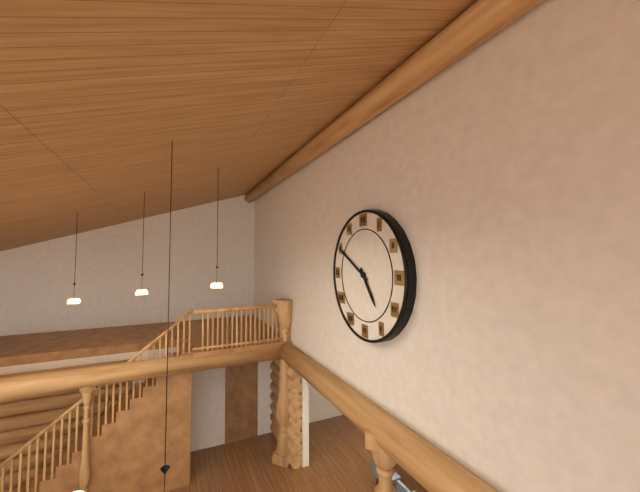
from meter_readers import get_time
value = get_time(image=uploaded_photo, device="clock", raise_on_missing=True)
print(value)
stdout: 4:50
